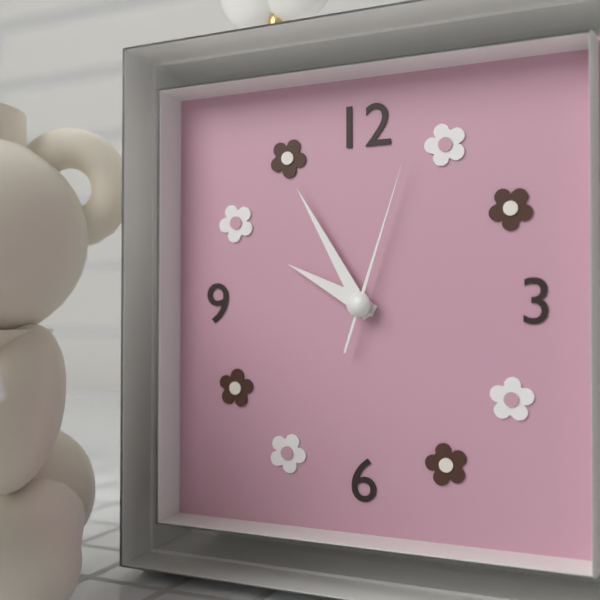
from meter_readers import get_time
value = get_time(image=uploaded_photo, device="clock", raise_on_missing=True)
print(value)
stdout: 9:55:03
